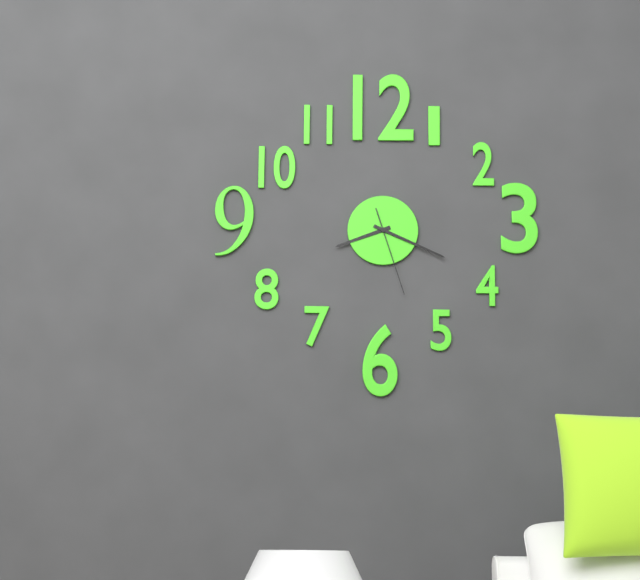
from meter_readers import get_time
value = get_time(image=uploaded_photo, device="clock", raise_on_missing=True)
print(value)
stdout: 8:19:27
